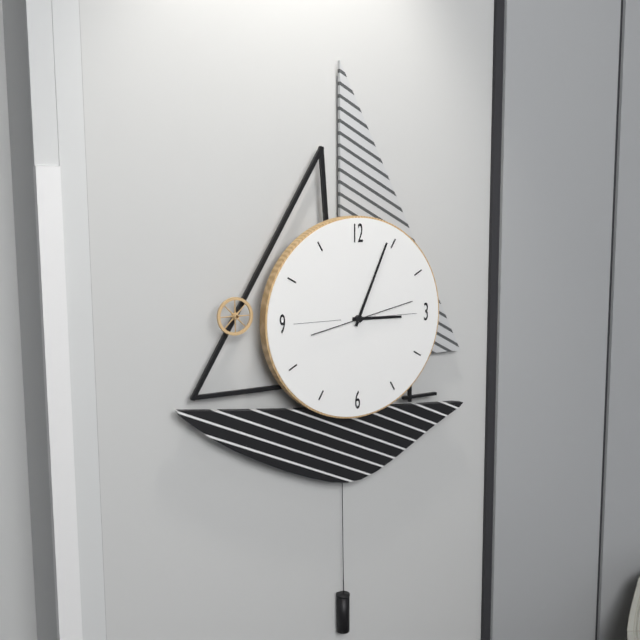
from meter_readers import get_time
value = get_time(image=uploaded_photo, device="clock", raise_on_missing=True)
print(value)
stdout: 3:04:13
